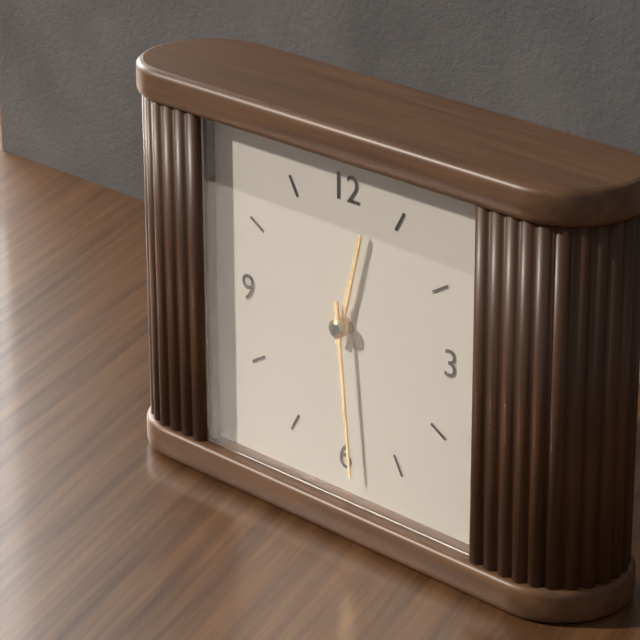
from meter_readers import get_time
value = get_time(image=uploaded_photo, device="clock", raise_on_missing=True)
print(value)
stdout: 12:29
